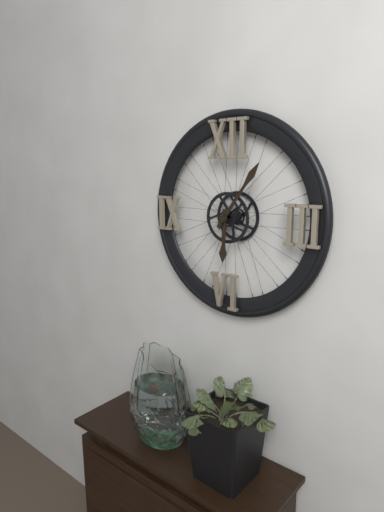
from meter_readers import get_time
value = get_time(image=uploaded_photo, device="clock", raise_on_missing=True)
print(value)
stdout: 6:06
